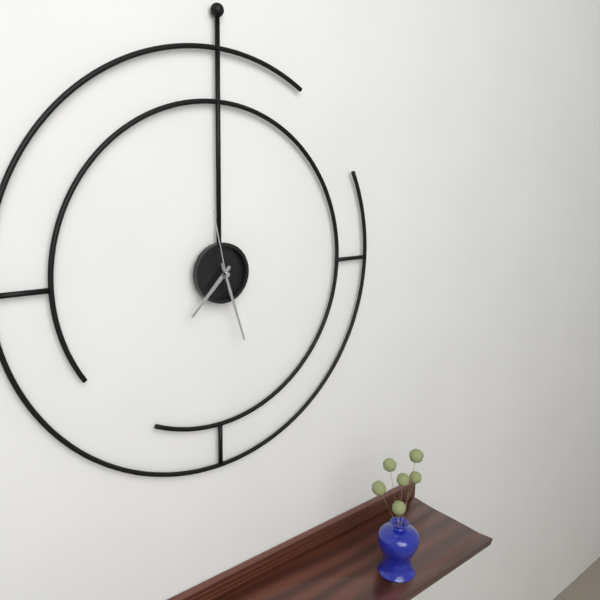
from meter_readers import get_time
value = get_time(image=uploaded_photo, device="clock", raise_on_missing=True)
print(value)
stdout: 7:27:58
